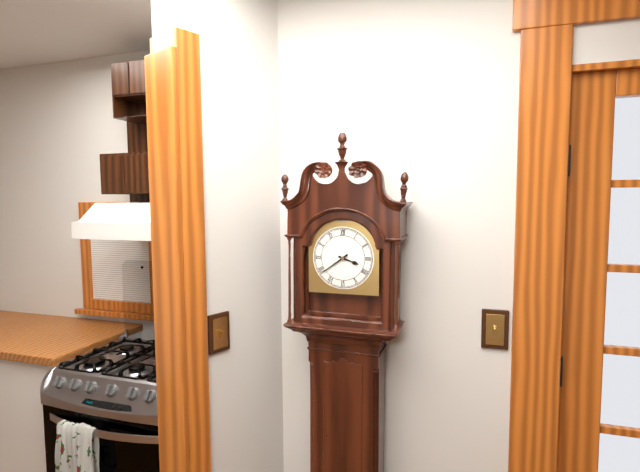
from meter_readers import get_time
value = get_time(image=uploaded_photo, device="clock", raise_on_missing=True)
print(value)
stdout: 3:39
